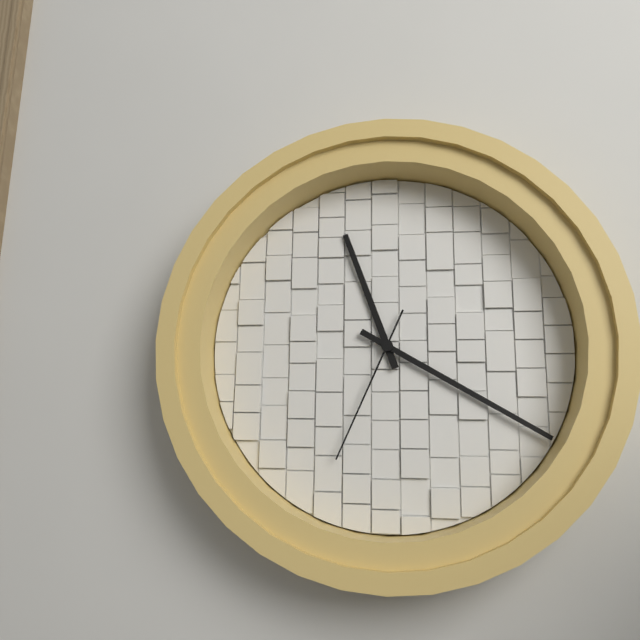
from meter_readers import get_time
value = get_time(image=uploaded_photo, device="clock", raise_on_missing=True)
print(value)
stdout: 11:20:34
